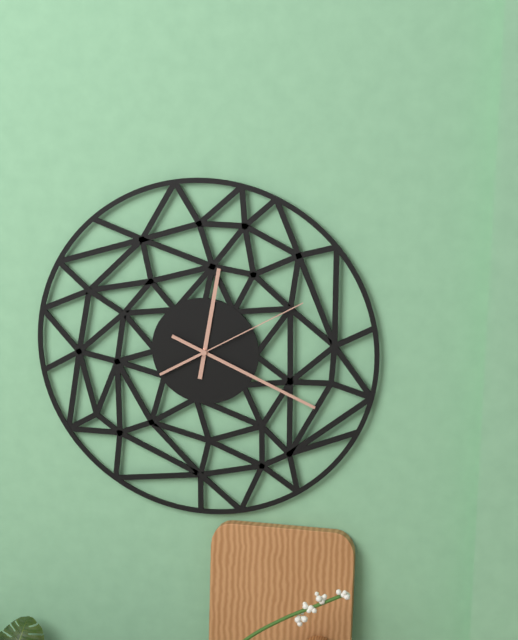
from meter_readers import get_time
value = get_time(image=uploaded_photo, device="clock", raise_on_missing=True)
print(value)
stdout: 12:19:10
